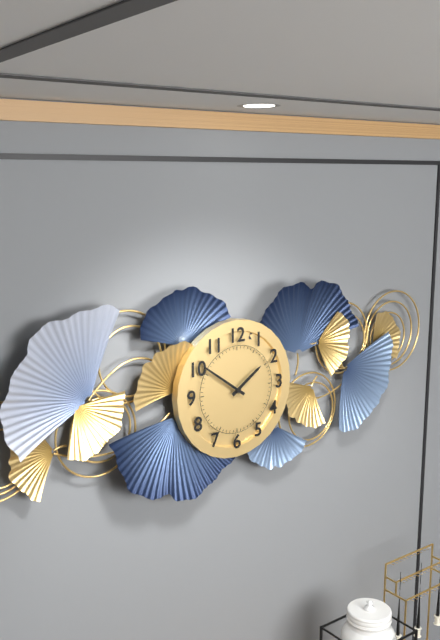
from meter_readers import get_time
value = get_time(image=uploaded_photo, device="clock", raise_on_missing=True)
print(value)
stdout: 1:51
